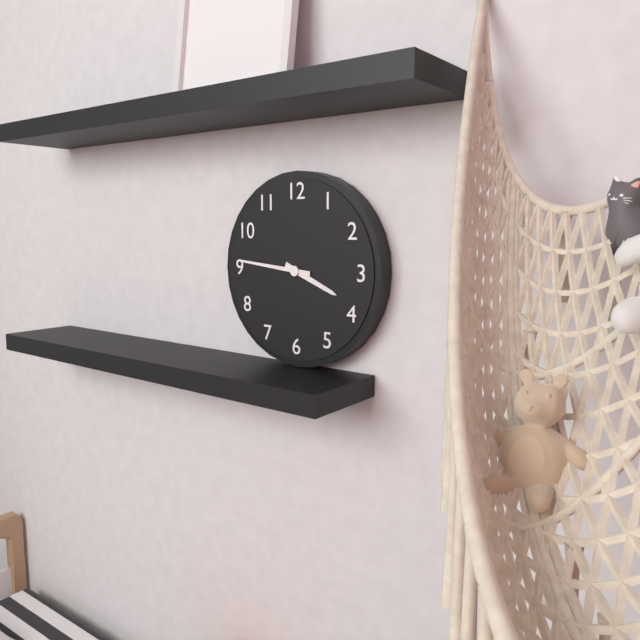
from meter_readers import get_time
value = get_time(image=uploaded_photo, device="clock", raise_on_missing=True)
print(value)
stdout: 3:46
